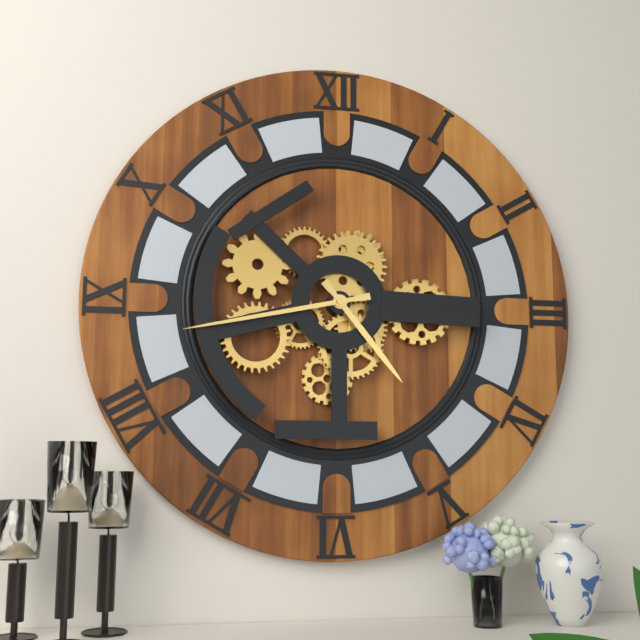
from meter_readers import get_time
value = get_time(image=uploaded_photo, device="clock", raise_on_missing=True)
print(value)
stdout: 4:43
